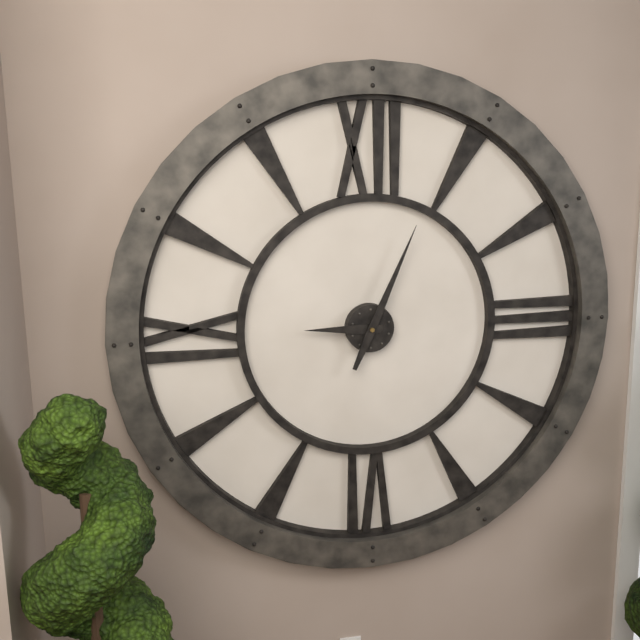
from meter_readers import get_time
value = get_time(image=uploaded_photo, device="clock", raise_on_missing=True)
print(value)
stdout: 9:04
